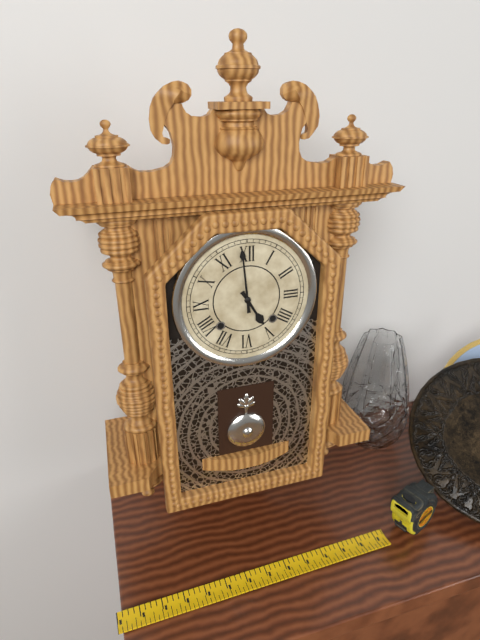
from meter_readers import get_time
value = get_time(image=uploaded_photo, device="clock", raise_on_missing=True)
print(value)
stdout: 4:59
